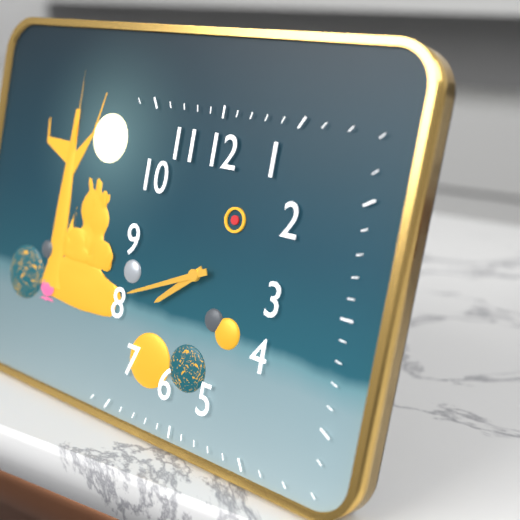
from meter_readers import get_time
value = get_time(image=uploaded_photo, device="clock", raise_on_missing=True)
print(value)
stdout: 7:41
